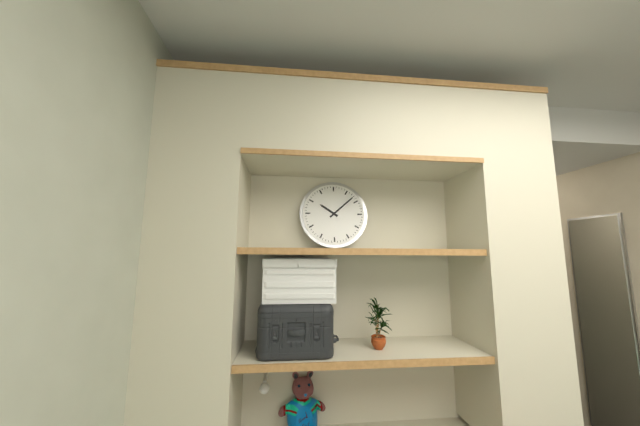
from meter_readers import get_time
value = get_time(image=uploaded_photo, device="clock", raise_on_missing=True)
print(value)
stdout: 10:08
